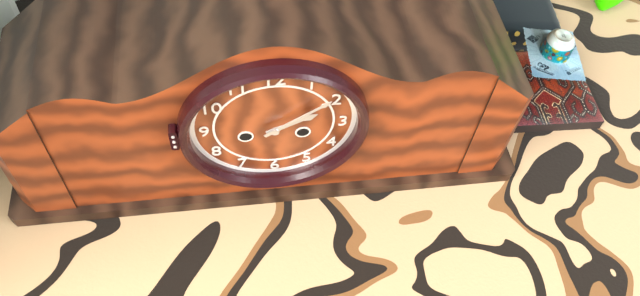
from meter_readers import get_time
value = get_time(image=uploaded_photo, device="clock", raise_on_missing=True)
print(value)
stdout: 2:09
